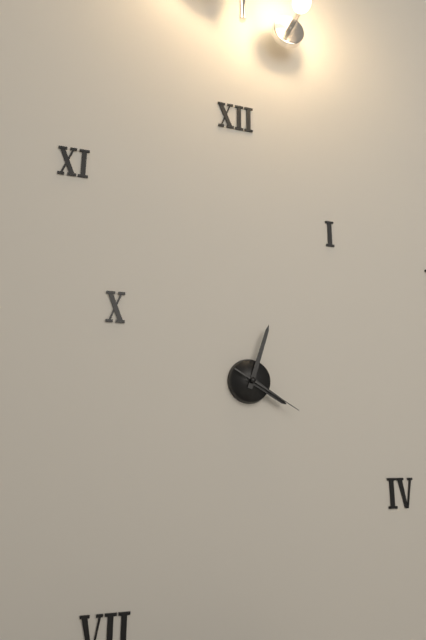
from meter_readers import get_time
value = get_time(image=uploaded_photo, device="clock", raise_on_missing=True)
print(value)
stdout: 4:03:20
